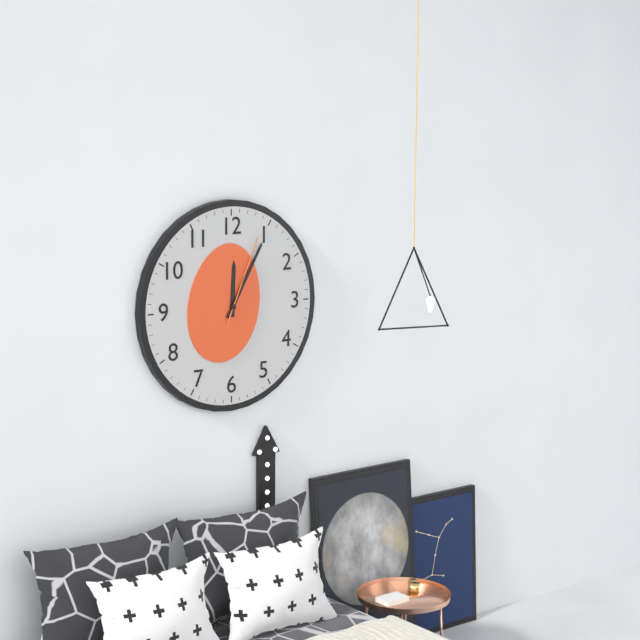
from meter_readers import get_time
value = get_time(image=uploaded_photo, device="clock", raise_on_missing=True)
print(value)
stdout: 12:05:04
